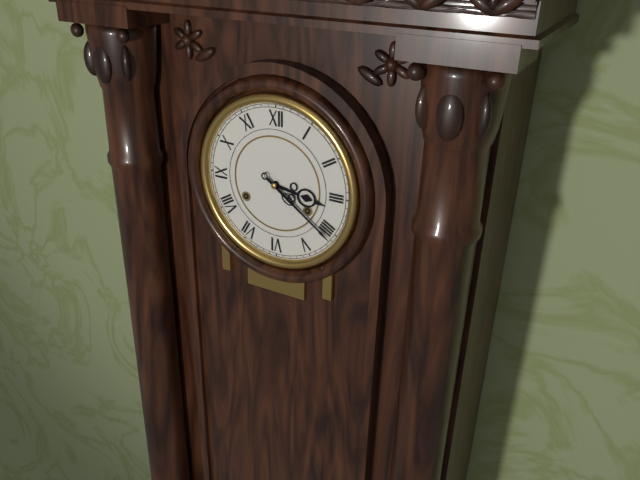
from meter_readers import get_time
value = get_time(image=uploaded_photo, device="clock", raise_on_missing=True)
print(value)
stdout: 3:21
